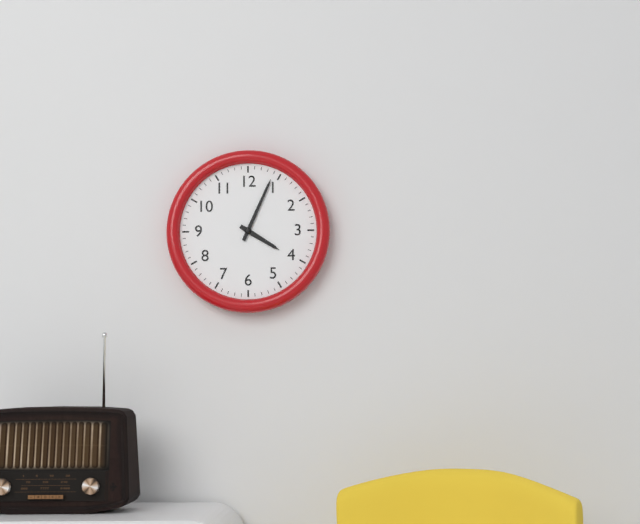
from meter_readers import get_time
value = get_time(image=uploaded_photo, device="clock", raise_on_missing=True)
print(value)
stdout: 4:04
